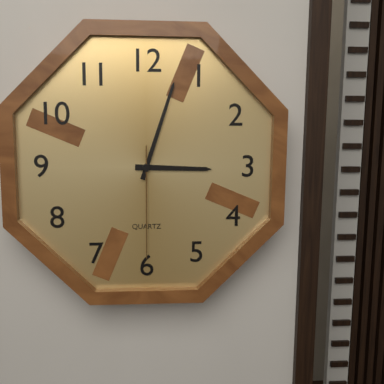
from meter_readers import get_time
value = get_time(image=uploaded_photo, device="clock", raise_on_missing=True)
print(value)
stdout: 3:03:30
